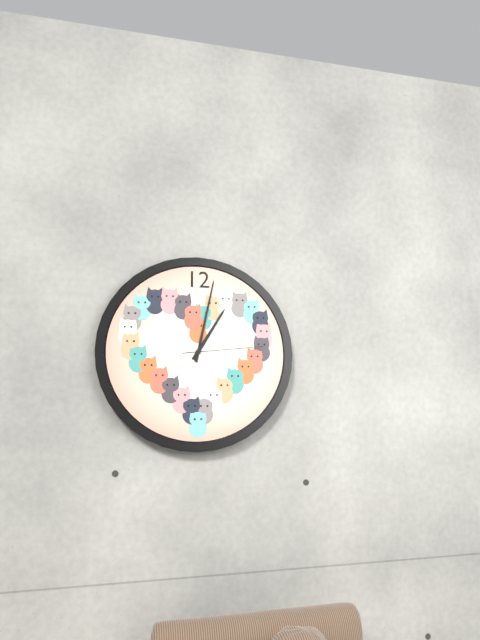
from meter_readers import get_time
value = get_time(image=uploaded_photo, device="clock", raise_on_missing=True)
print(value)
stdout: 1:02:14
